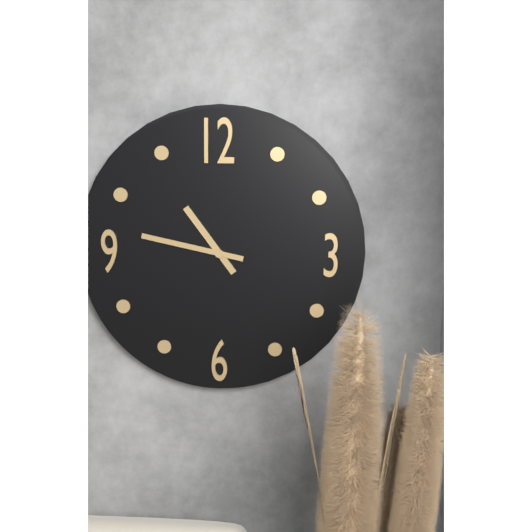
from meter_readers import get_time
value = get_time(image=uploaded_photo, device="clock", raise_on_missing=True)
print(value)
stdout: 10:47
